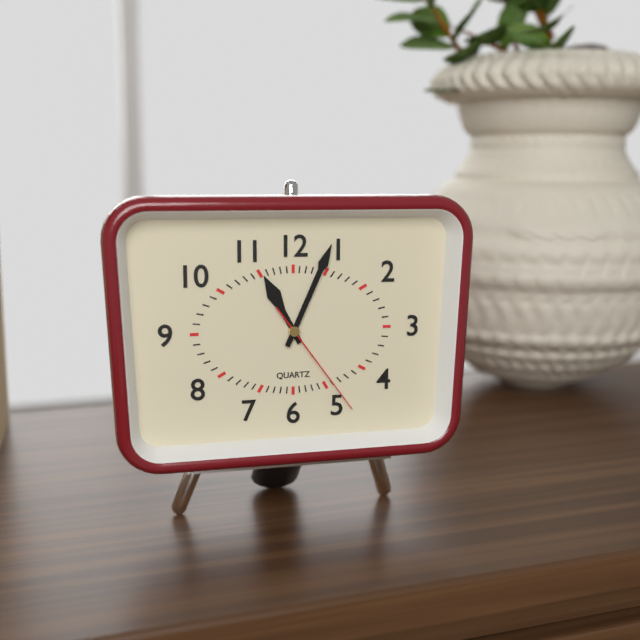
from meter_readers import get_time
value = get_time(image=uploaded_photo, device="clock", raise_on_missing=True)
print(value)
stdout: 11:04:24
